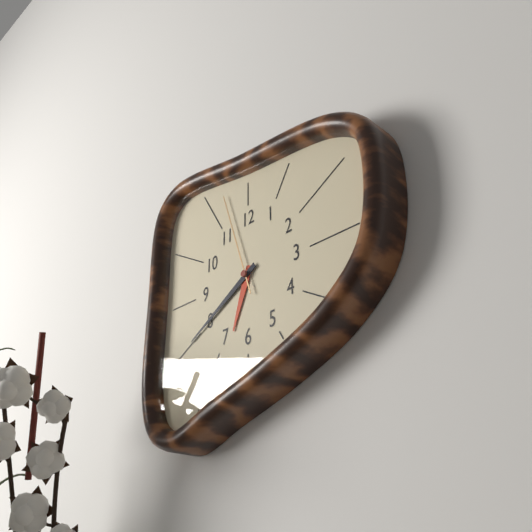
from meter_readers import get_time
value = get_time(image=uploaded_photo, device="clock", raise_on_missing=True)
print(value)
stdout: 6:40:57
